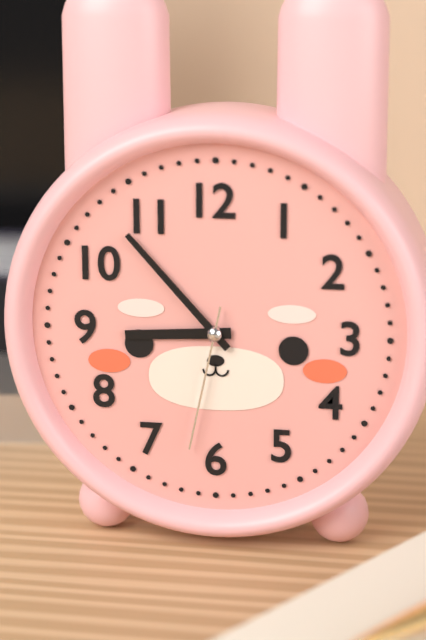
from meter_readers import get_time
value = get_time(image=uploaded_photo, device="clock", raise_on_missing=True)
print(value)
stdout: 8:53:32
